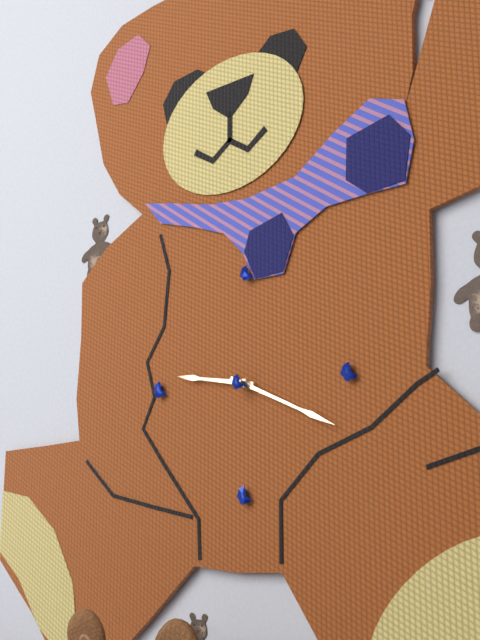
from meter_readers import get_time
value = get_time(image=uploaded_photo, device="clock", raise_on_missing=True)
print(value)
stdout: 9:19
